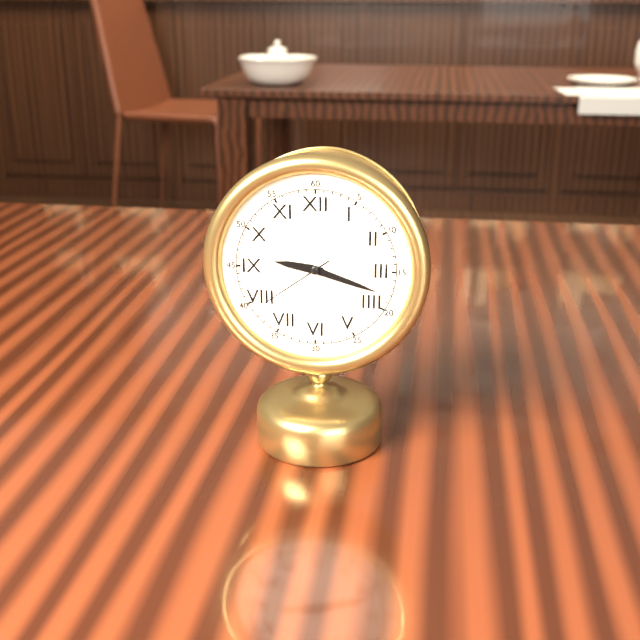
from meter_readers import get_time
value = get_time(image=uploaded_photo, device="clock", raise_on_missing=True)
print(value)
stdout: 9:18:39
